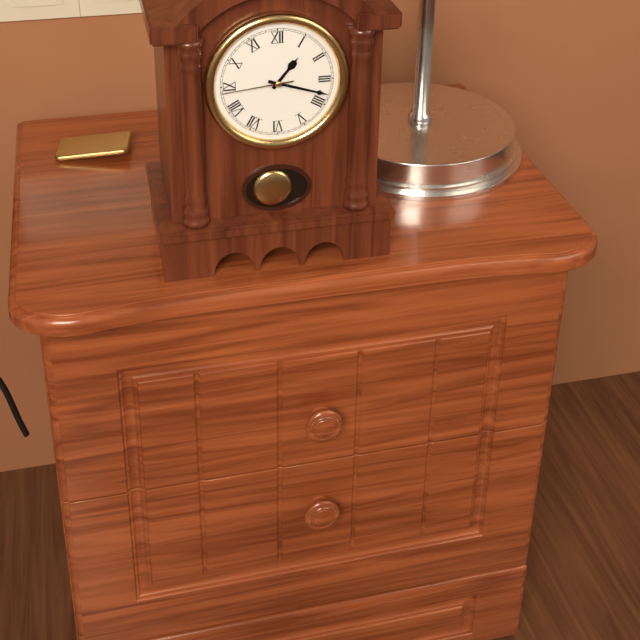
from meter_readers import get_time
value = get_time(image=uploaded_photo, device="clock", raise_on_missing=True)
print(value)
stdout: 1:18:44
